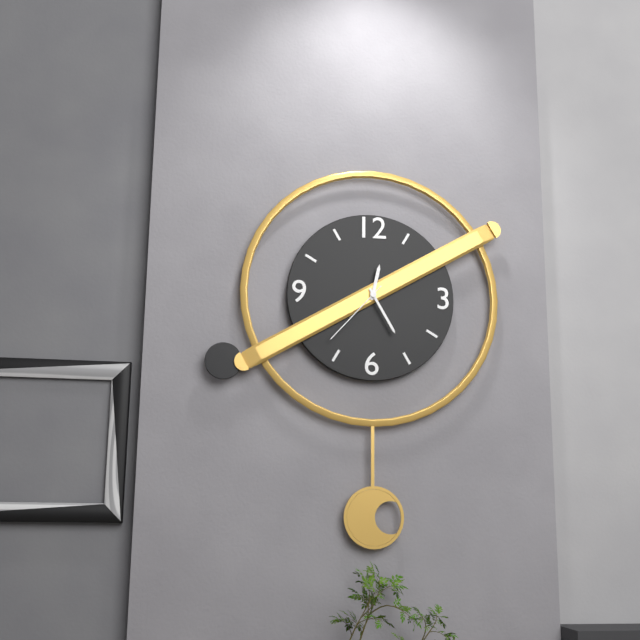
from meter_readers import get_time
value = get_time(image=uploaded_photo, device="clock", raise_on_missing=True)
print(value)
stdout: 12:25:37
